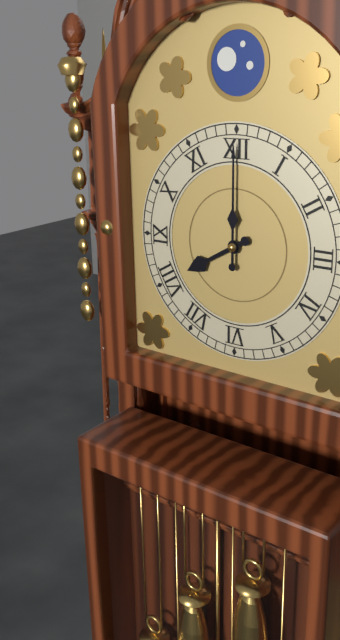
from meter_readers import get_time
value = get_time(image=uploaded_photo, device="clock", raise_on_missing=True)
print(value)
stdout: 8:00
